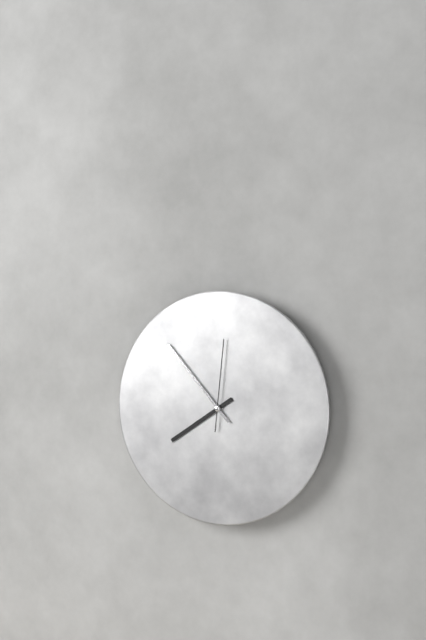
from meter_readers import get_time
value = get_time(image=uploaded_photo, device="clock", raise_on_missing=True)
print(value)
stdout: 7:53:01
